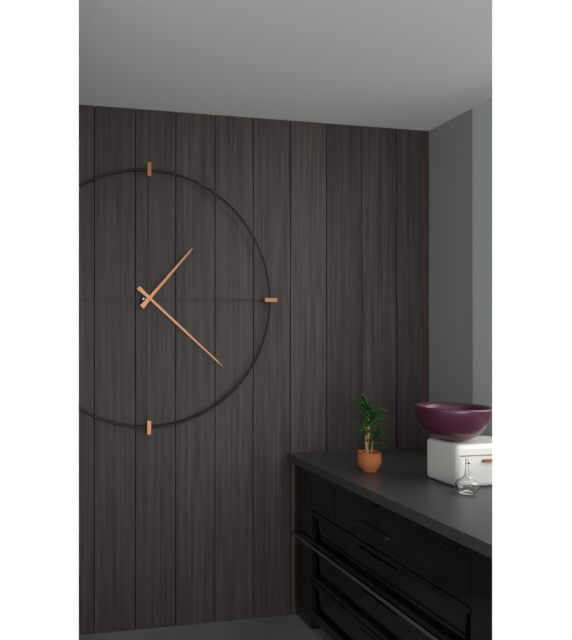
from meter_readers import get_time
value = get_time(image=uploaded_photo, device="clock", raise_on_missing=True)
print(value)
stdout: 1:22
